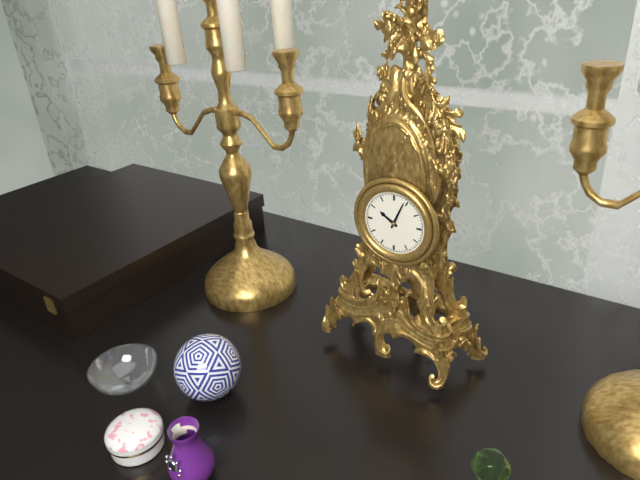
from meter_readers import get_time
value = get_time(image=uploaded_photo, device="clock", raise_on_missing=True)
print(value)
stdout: 10:04
